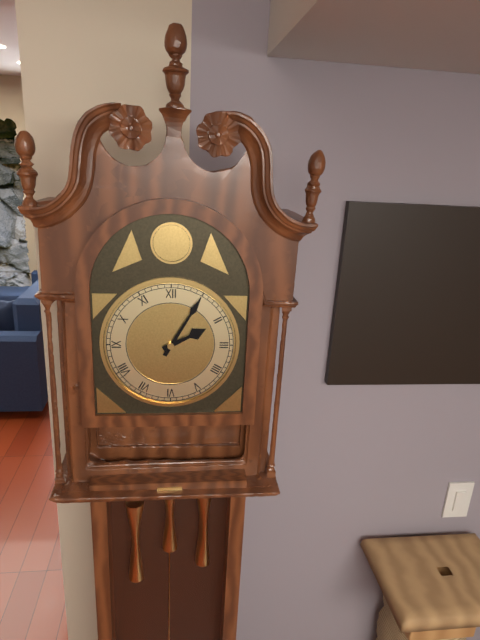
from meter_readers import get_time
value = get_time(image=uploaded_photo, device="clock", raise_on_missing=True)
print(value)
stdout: 2:05
